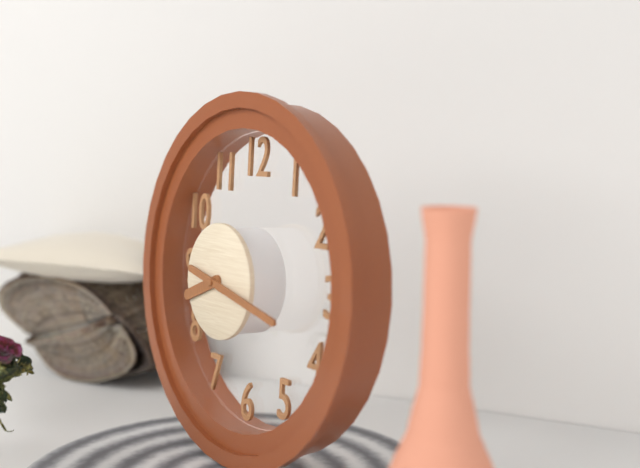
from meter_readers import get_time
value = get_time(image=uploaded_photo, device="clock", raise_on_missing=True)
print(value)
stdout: 8:17
